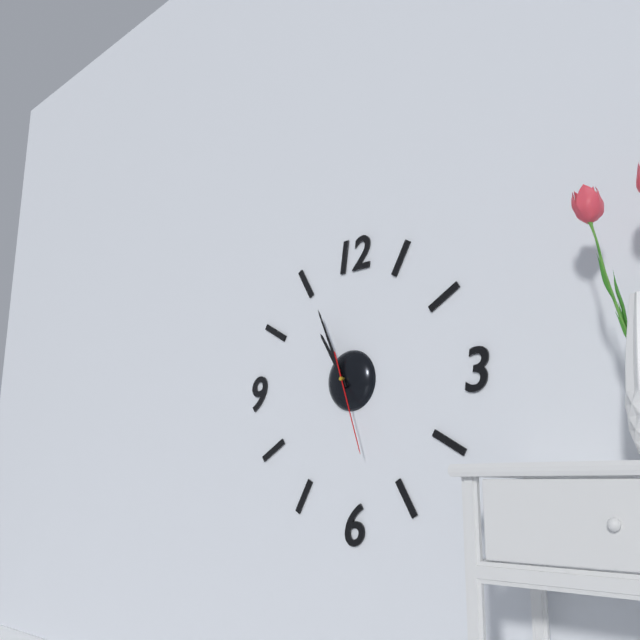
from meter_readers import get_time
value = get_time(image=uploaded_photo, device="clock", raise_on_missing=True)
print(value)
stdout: 10:56:27
